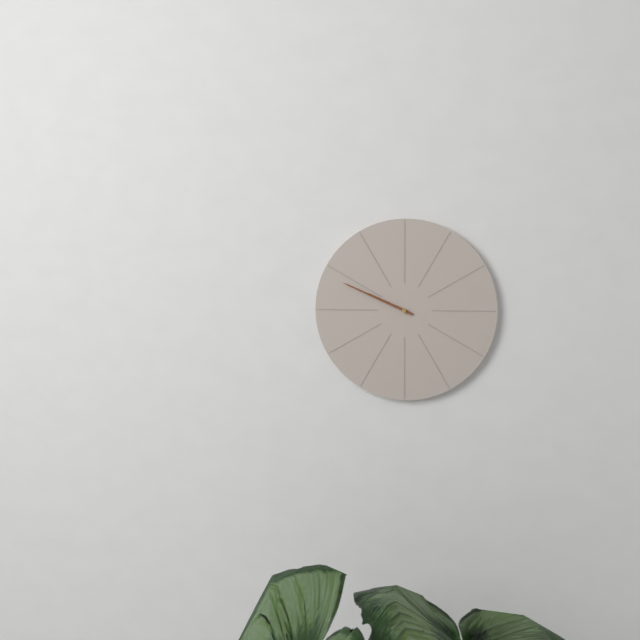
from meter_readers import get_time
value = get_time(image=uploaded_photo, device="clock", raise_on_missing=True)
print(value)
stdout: 9:49
